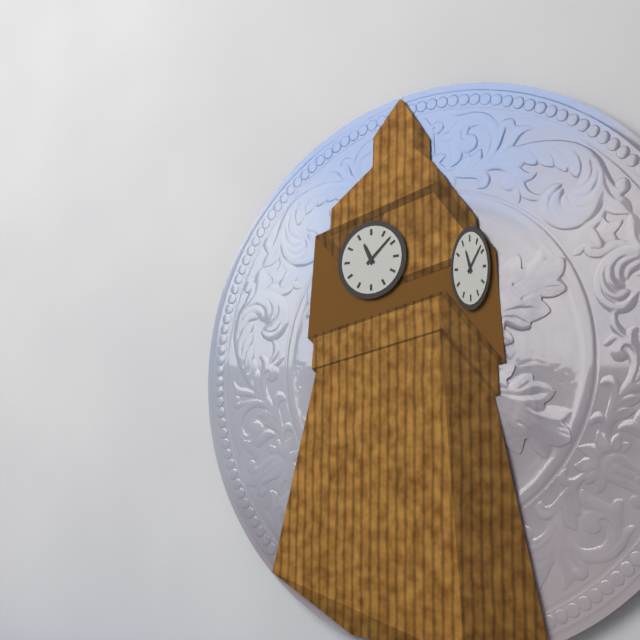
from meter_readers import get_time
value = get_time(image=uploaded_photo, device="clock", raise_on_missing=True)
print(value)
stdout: 11:08
